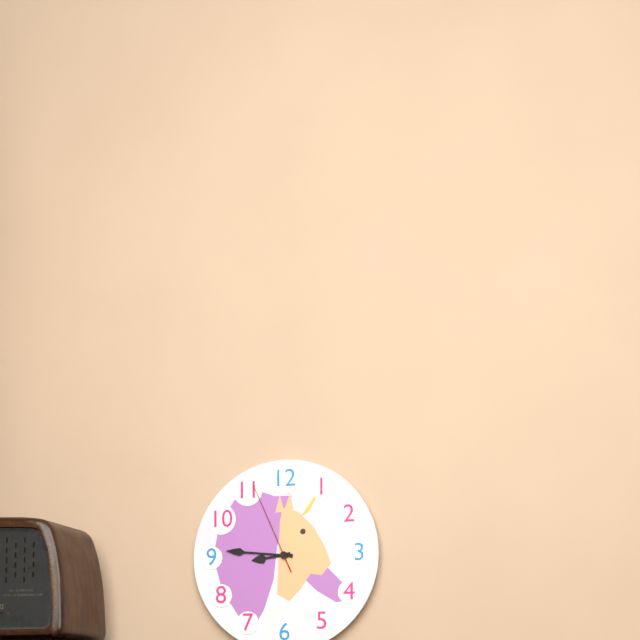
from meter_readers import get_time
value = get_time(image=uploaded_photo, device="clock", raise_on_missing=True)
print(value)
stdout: 8:46:56
